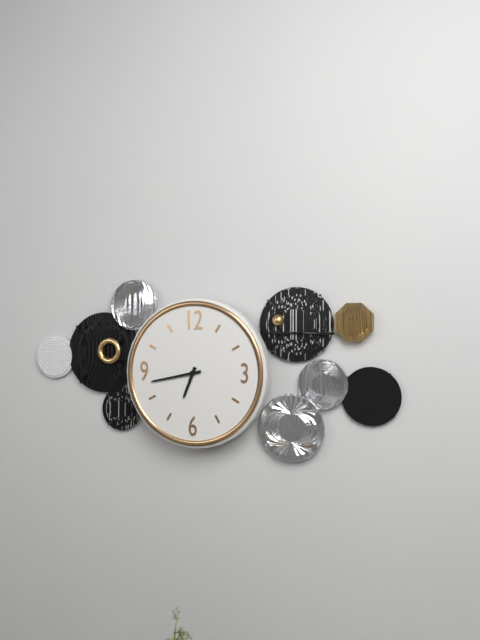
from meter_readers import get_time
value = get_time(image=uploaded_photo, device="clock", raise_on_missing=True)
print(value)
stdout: 6:43
